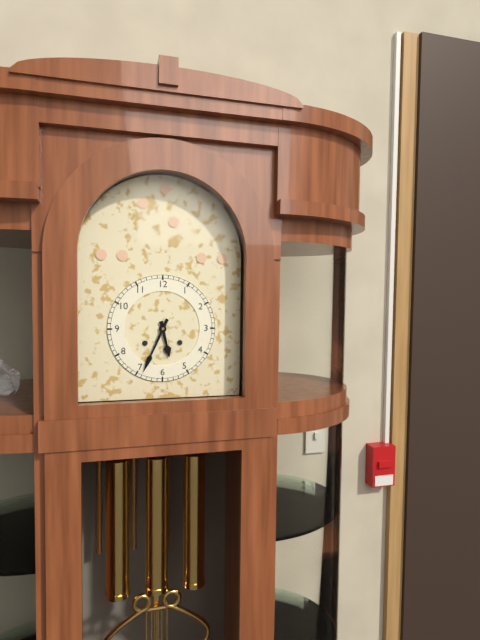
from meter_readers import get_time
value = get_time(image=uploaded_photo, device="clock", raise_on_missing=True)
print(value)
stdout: 5:34
